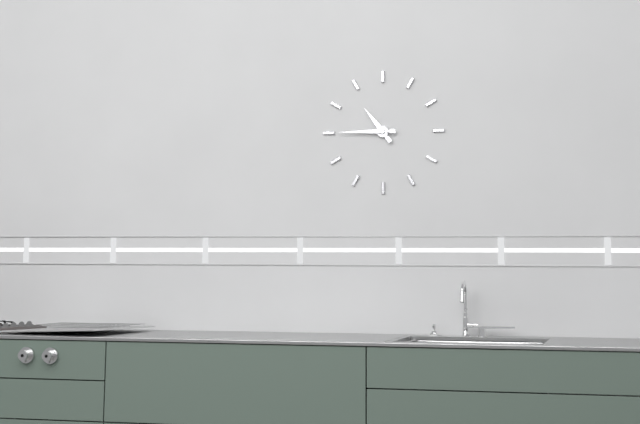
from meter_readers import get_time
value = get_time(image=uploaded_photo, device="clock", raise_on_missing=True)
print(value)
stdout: 10:45
